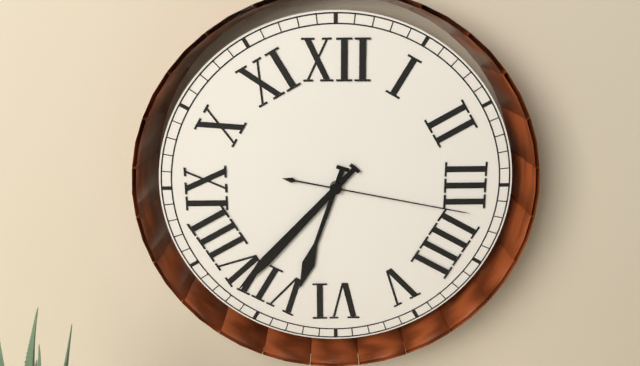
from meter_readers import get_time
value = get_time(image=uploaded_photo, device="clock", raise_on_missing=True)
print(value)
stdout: 6:37:17
